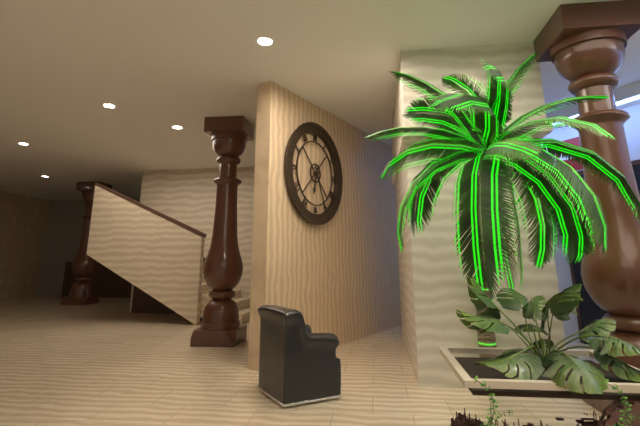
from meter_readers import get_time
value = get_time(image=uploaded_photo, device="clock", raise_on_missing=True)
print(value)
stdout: 6:26
